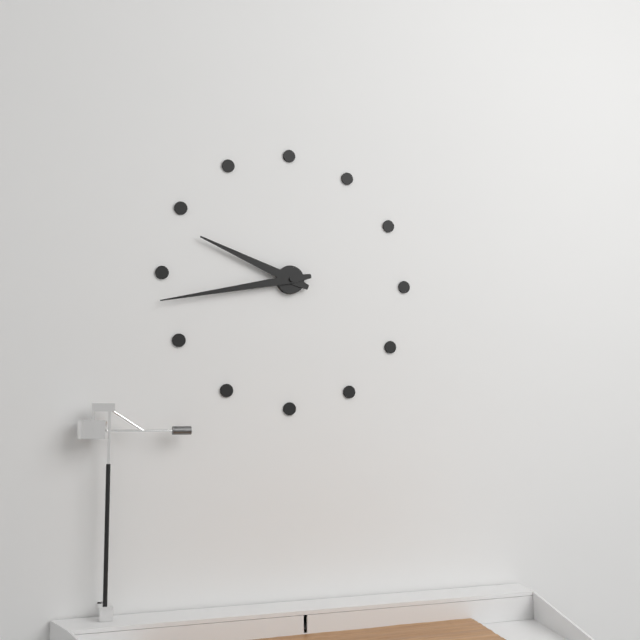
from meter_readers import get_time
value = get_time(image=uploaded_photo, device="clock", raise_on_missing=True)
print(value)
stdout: 9:43
